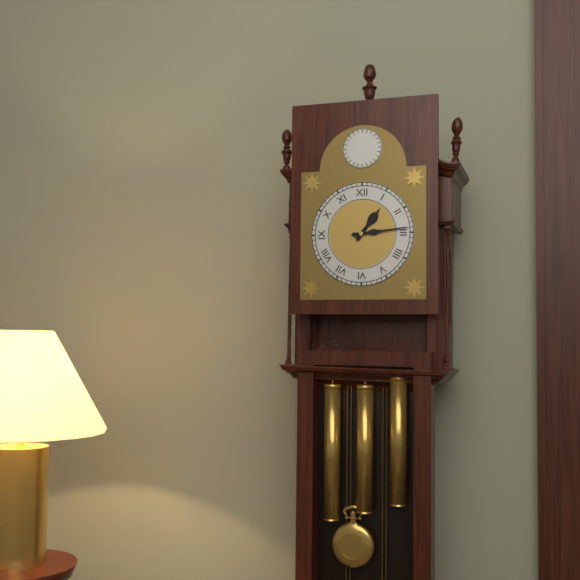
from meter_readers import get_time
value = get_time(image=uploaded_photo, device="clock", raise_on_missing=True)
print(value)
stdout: 1:14
